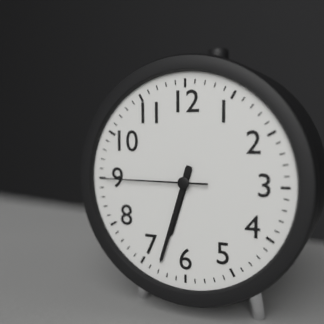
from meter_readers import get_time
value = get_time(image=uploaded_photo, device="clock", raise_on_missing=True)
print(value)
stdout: 6:33:45
